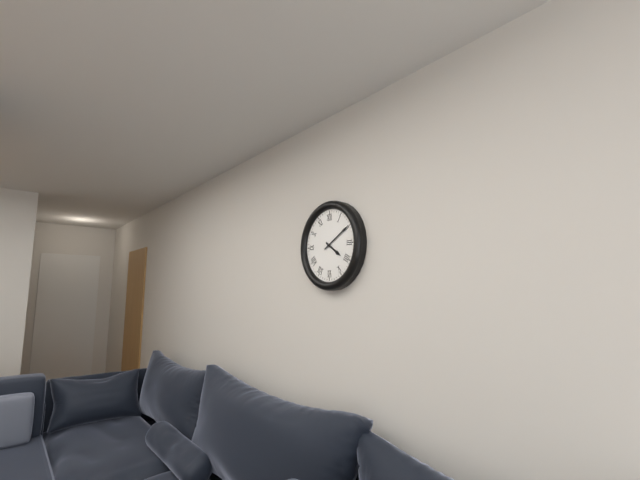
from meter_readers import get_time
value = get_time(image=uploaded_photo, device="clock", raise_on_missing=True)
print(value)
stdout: 4:10
